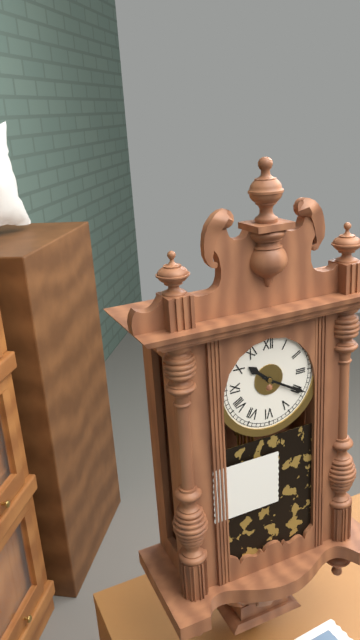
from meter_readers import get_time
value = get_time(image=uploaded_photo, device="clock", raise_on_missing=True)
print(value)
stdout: 10:20
